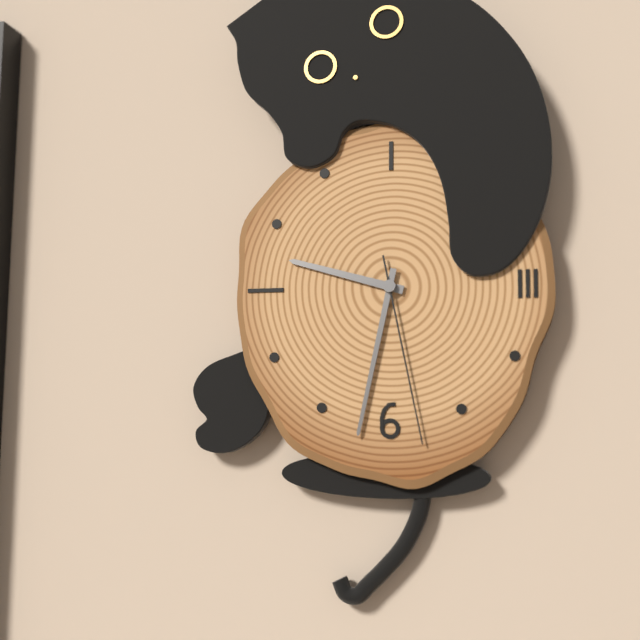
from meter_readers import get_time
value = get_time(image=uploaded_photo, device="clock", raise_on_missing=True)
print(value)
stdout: 9:32:28
